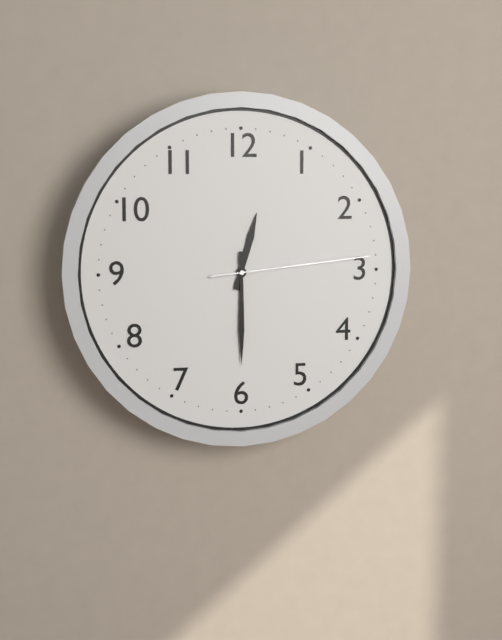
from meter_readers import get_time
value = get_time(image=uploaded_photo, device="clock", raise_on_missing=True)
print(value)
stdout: 12:30:14
